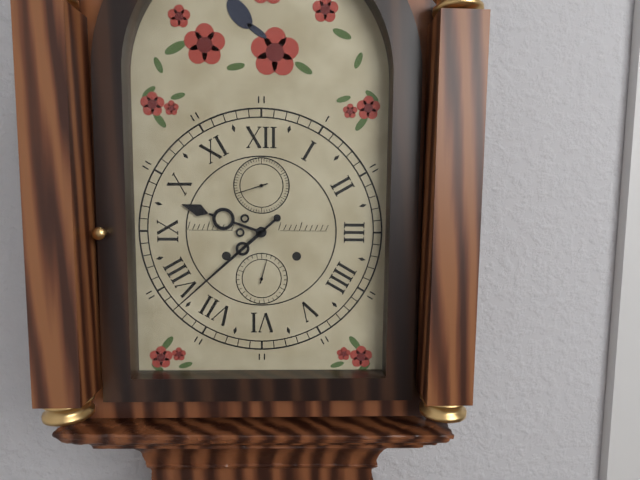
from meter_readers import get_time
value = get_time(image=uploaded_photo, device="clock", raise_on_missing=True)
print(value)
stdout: 9:38
